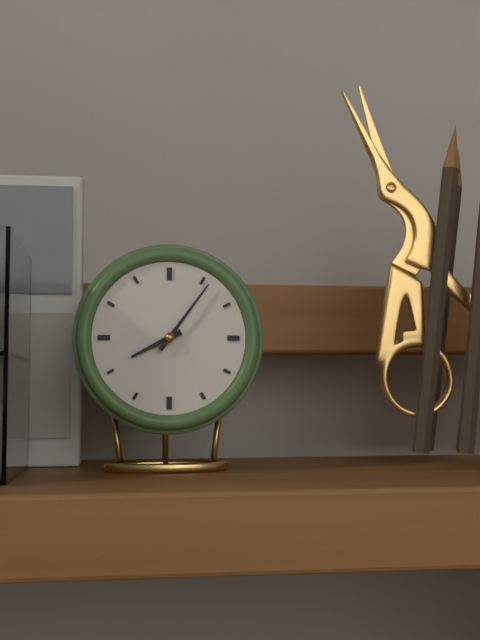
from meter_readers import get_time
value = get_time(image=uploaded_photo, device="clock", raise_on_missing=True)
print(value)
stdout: 8:06
